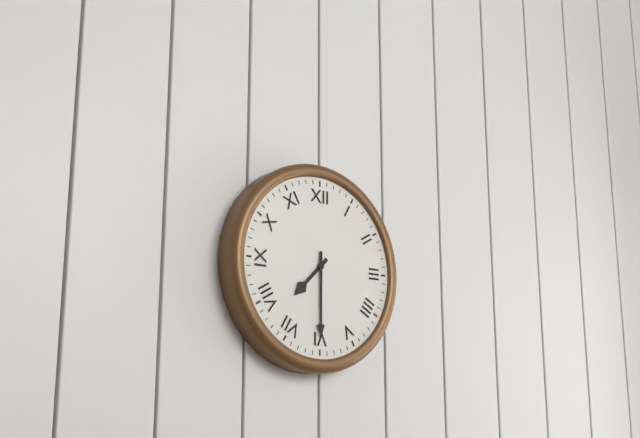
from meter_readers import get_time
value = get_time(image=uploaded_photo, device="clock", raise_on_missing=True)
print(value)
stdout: 7:30
